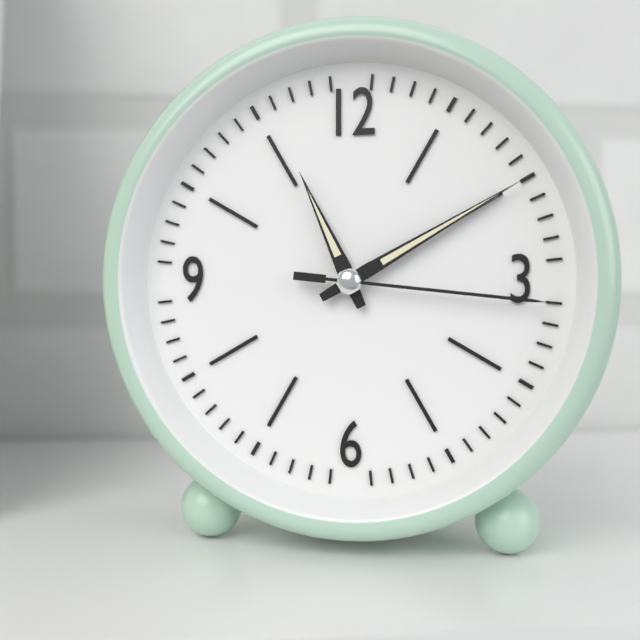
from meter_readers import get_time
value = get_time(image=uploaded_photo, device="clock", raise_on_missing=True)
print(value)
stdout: 11:10:16
